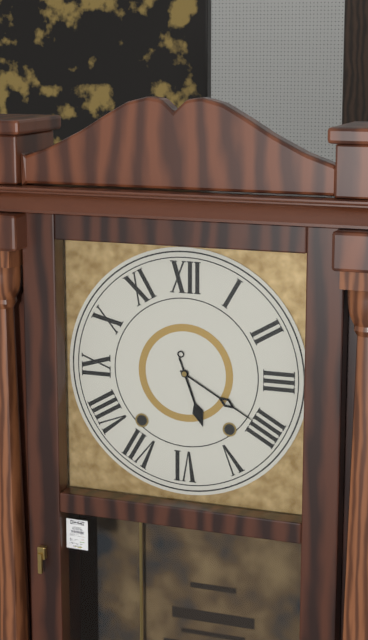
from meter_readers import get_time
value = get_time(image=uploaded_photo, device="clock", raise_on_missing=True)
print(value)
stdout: 5:20
